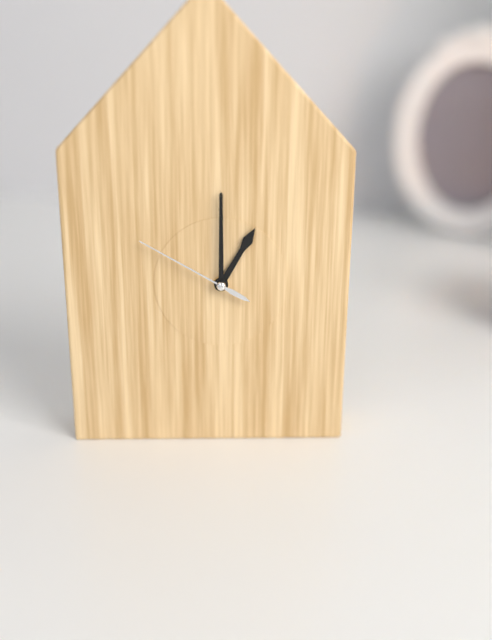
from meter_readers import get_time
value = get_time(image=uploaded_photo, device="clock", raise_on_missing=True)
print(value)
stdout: 1:00:50
